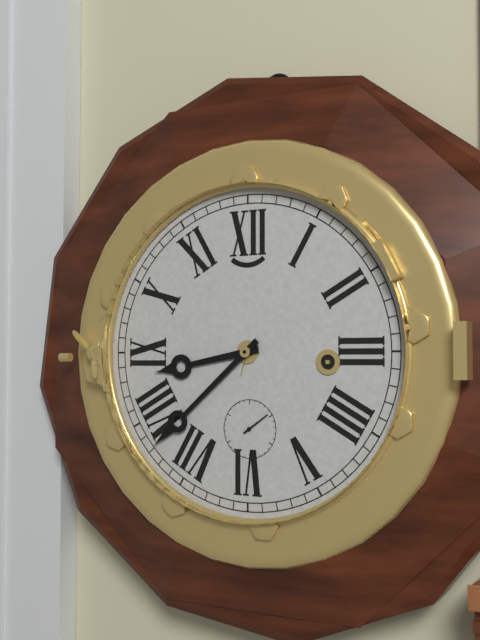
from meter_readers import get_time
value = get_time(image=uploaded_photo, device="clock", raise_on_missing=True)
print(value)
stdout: 8:38
